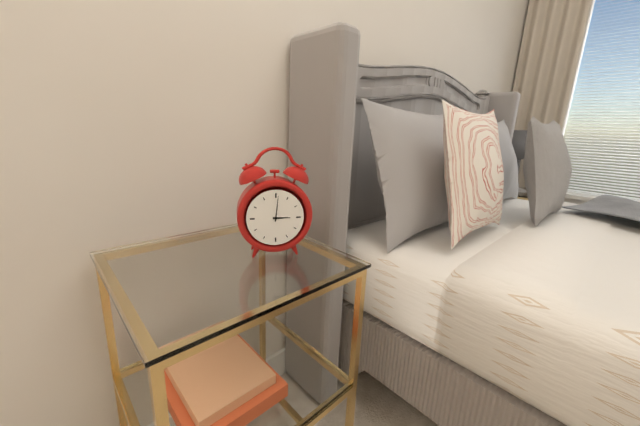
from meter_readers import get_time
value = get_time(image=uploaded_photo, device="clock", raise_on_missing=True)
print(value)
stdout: 3:01
